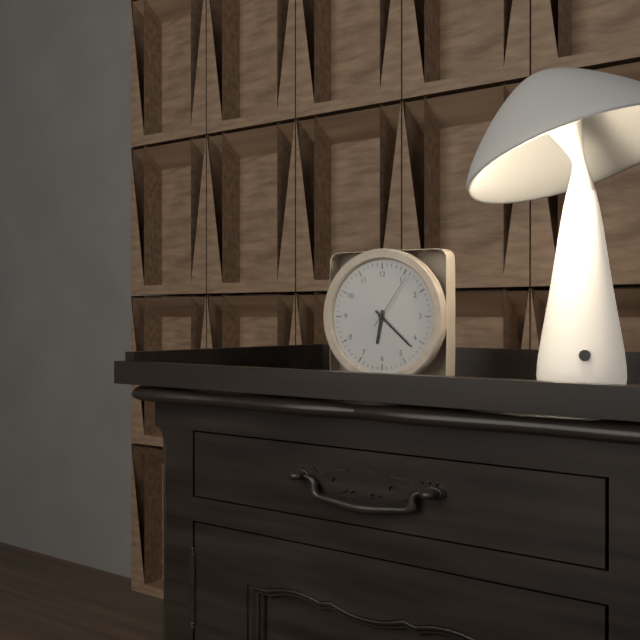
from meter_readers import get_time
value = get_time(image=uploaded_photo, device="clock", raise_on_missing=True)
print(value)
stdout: 6:22:06
